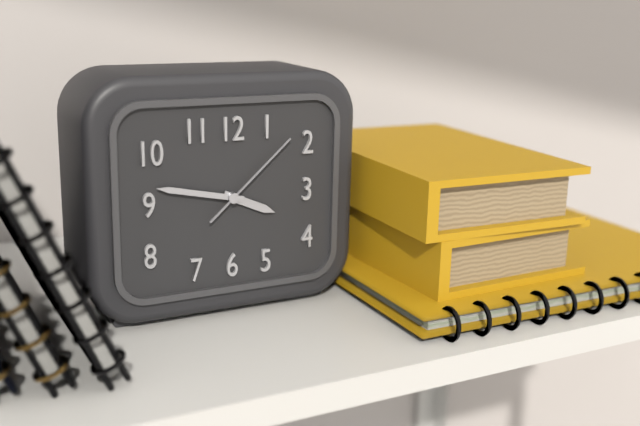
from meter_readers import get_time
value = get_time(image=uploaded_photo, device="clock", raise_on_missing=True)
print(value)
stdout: 3:47:08
